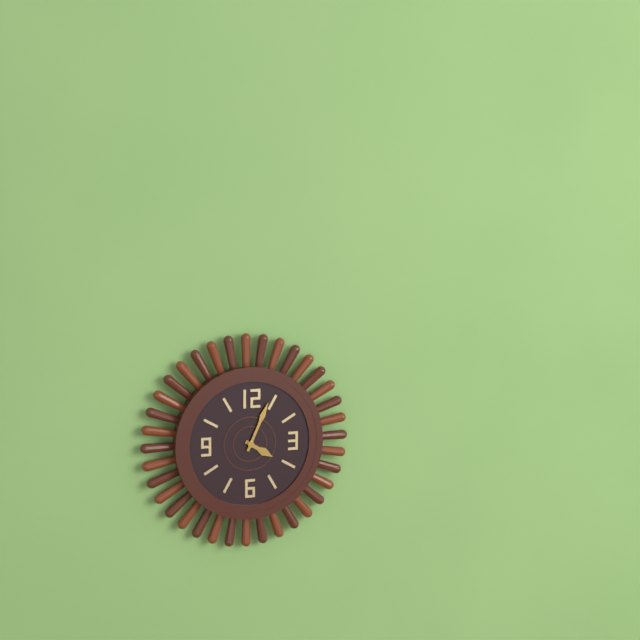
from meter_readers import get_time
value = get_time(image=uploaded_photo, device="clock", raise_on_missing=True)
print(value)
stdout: 4:04
